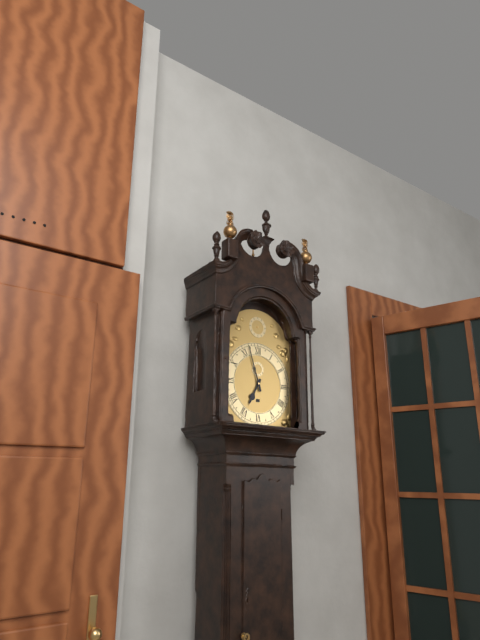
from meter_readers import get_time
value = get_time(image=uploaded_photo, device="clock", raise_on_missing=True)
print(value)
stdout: 6:57
